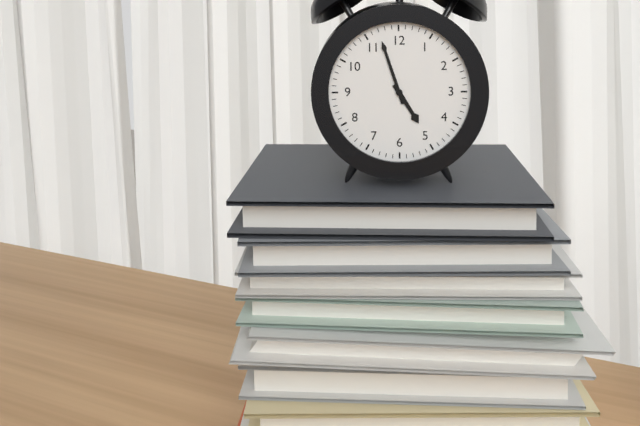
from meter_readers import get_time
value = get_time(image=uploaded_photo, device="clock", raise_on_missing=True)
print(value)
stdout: 4:57
